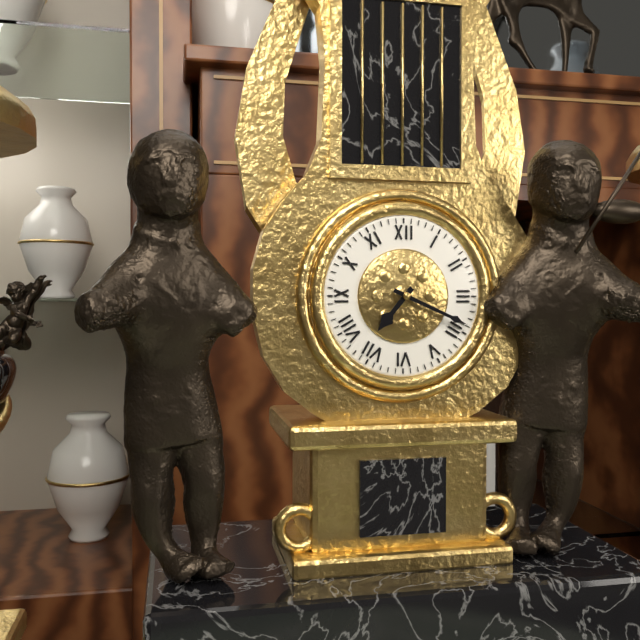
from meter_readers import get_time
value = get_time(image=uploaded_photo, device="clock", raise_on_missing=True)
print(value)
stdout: 7:19
